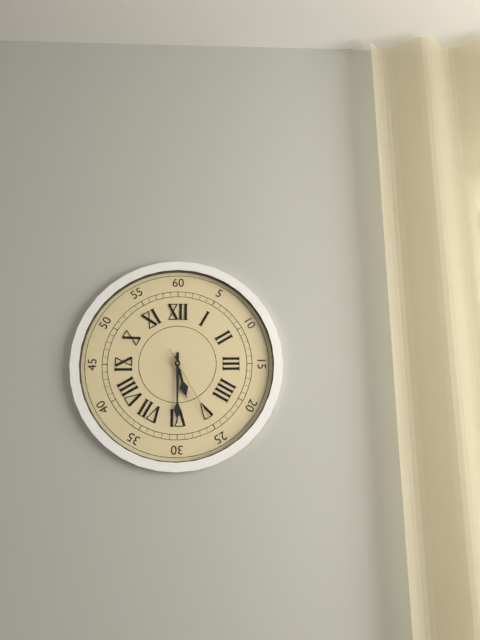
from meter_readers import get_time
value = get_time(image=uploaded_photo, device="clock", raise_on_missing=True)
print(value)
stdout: 5:30:25
